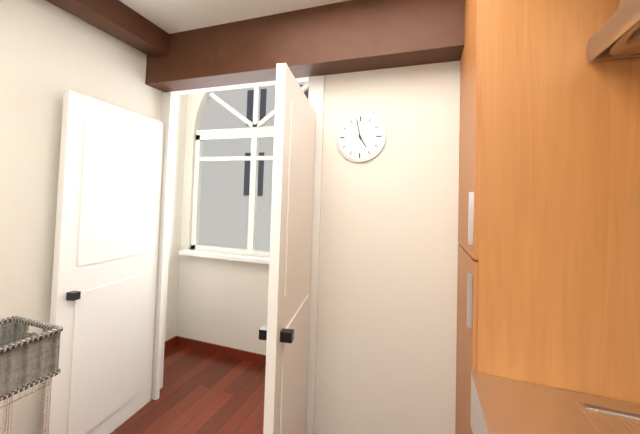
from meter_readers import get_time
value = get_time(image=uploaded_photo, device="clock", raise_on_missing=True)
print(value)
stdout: 4:58
